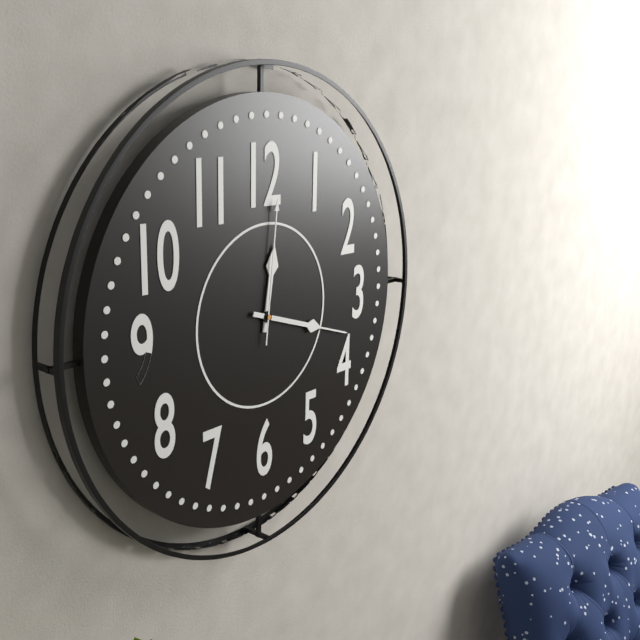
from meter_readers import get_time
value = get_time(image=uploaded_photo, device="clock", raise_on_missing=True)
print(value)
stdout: 12:18:01
